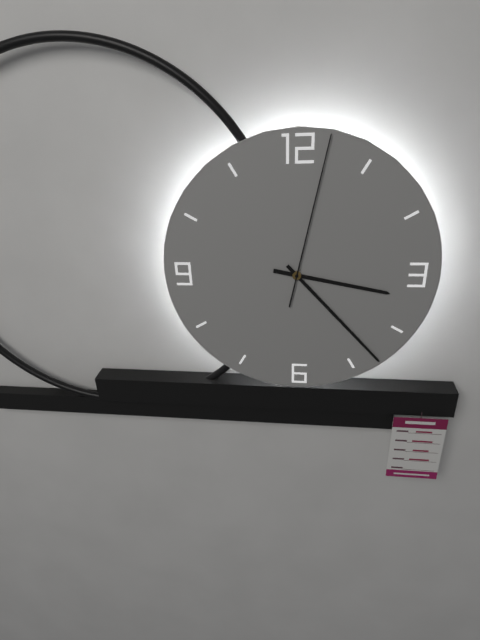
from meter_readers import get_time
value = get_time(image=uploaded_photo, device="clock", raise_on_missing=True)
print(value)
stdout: 3:23:02
